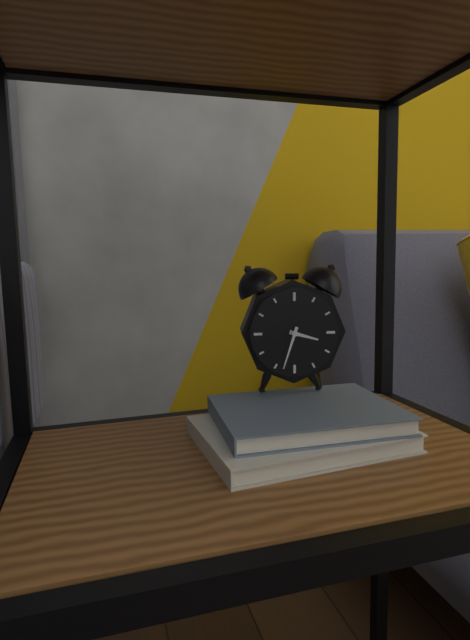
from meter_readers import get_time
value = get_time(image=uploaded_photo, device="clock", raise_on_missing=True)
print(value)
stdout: 3:33
